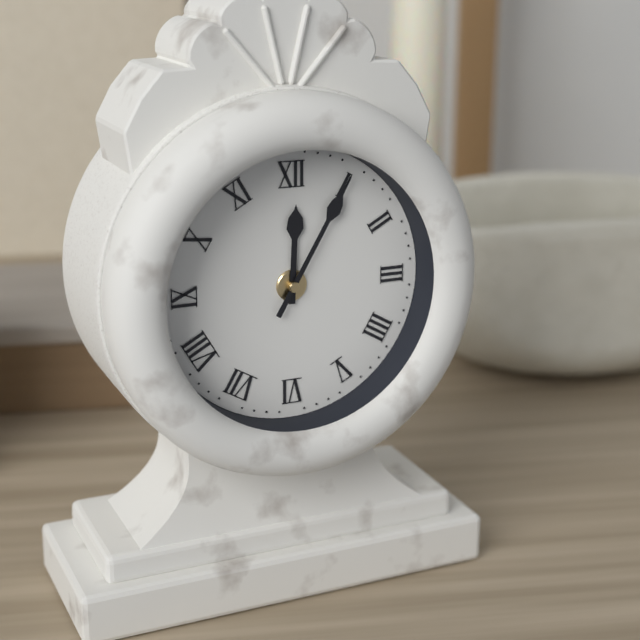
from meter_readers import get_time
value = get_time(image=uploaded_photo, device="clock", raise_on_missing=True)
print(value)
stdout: 12:05
